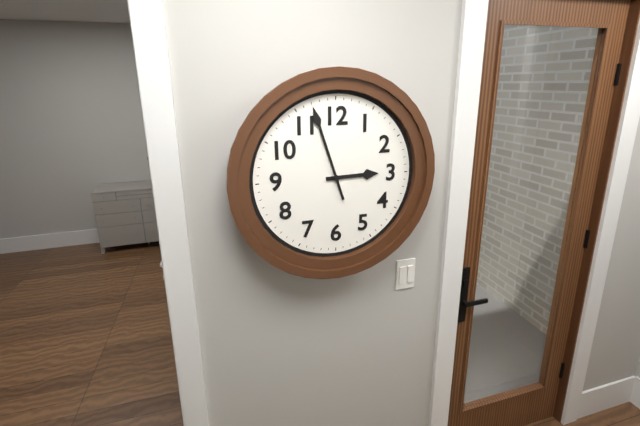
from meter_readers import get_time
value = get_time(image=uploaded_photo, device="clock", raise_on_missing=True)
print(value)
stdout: 2:57
